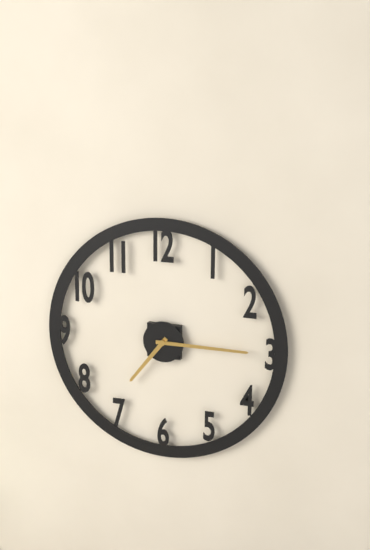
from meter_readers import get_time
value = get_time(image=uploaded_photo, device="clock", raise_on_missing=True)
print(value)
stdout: 7:15
